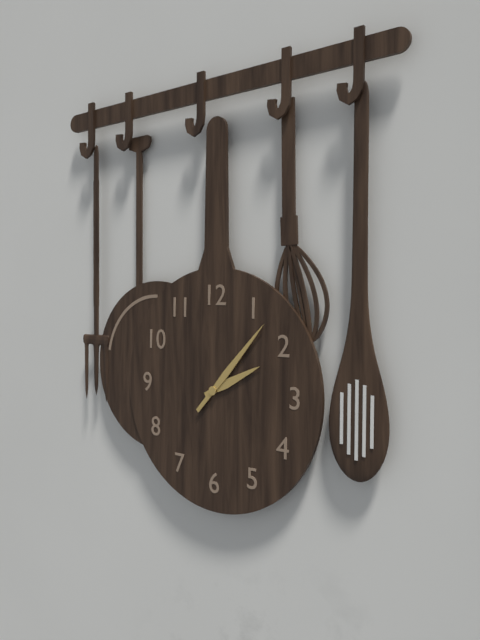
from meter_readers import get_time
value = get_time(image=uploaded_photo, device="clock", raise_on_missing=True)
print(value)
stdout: 2:07
